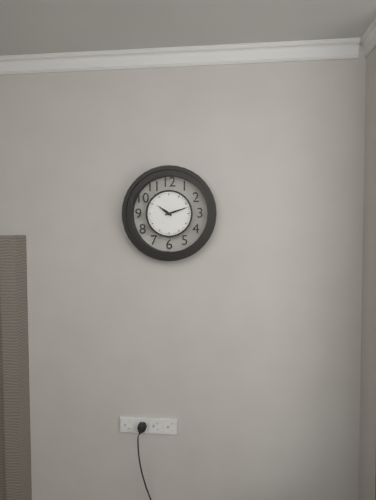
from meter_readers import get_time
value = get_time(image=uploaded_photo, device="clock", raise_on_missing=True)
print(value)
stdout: 10:12
